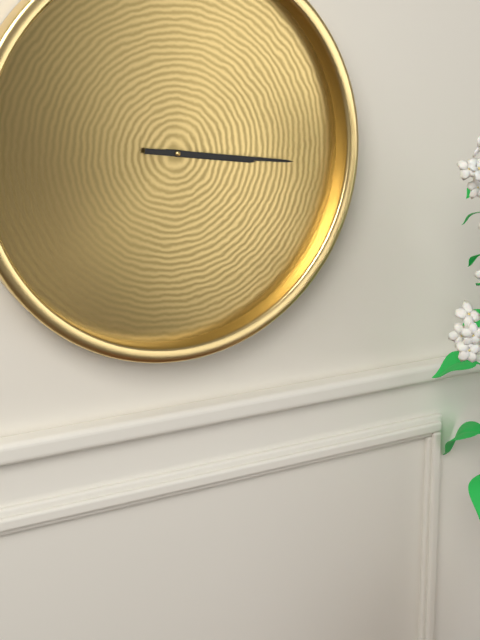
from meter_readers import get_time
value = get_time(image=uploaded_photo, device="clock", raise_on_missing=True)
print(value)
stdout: 3:16
